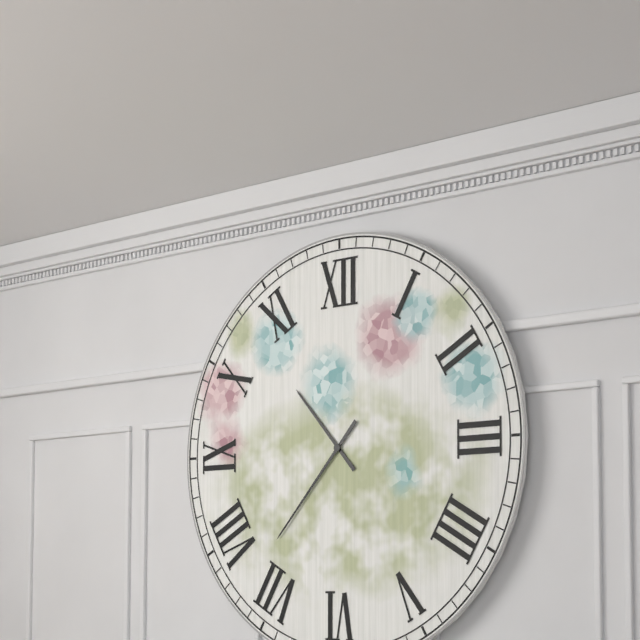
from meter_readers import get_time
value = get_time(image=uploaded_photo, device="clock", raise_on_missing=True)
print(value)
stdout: 10:37
